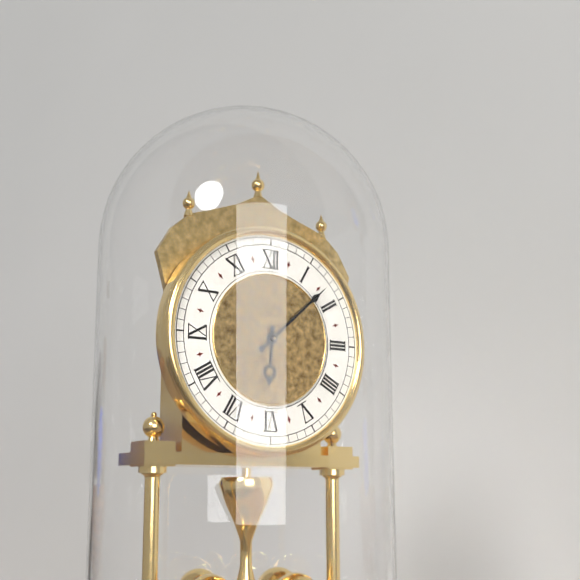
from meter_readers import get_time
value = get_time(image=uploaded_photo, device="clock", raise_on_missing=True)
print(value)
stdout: 6:08
